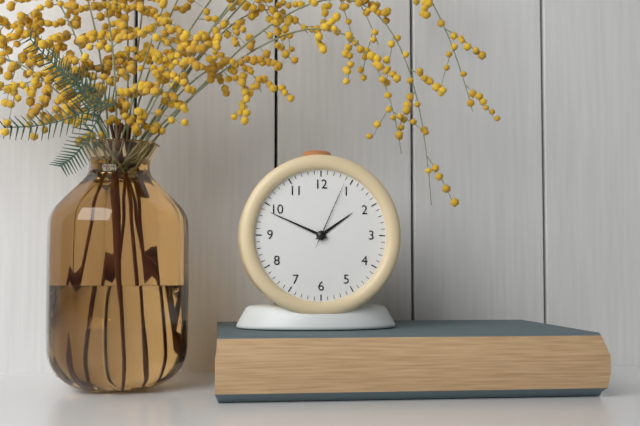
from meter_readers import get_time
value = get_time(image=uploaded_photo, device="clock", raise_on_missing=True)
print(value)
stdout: 1:49:04
